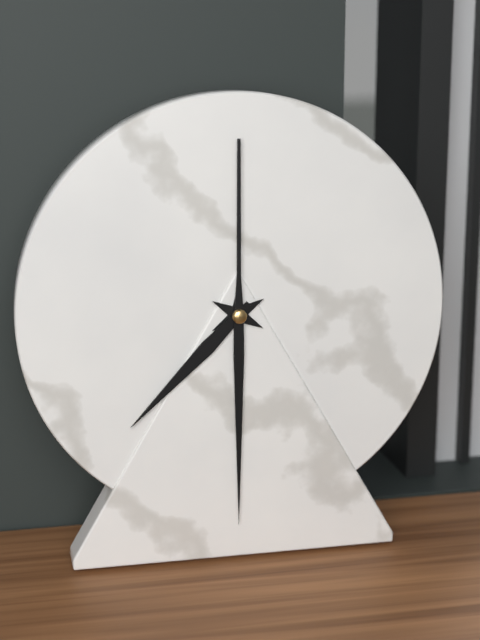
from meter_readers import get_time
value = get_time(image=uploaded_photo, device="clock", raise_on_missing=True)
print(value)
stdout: 7:30
